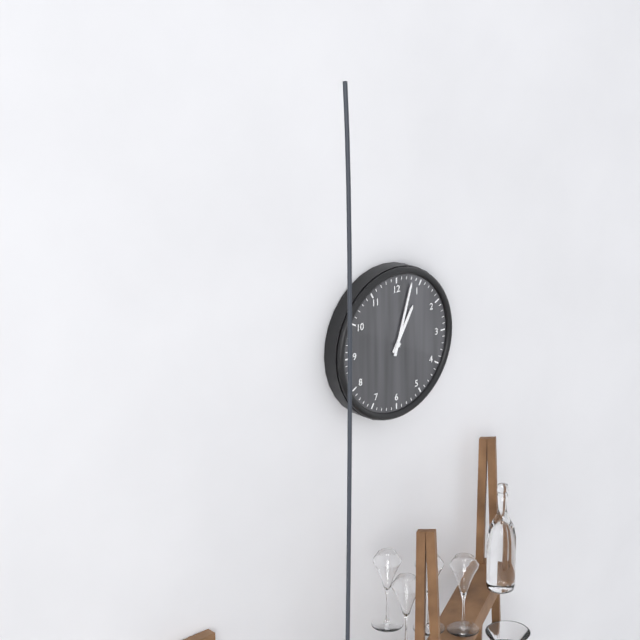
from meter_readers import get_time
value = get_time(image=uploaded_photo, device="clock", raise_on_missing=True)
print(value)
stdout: 1:03
